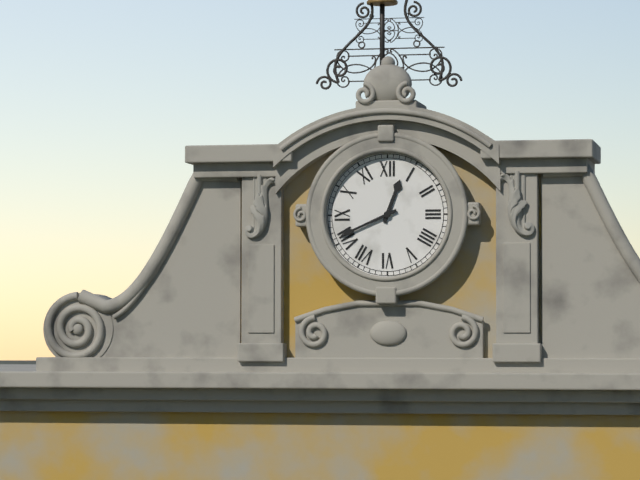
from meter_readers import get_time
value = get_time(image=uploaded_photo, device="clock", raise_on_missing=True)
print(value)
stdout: 12:41
